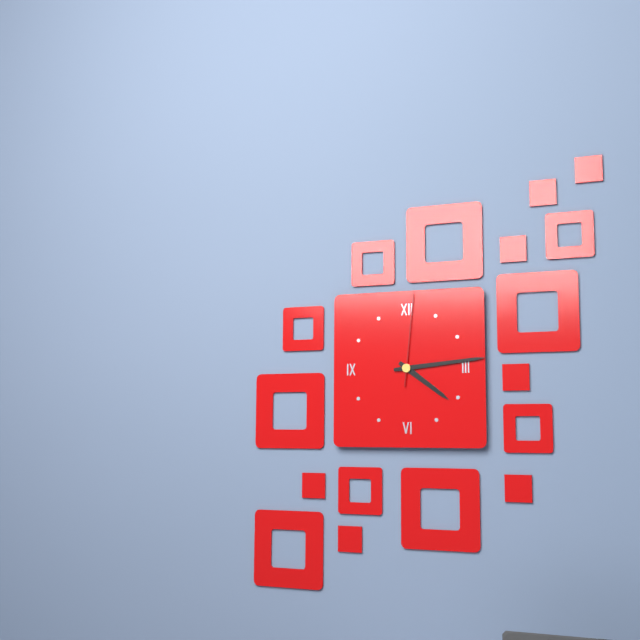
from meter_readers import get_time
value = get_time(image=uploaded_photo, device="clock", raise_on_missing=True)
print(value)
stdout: 4:14:01
